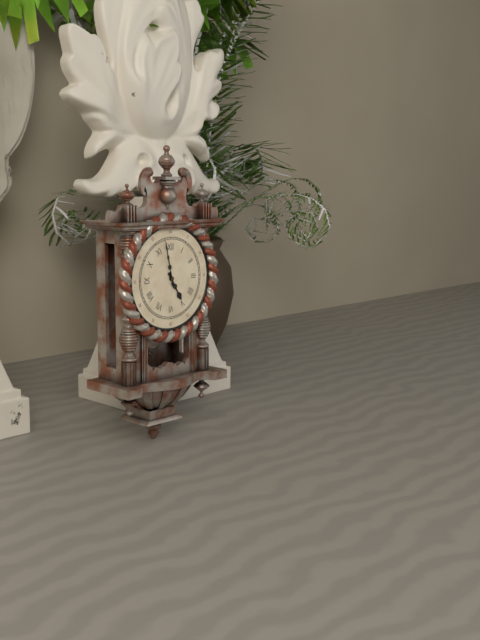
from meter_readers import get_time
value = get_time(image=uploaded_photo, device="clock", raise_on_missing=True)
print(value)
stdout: 4:58
